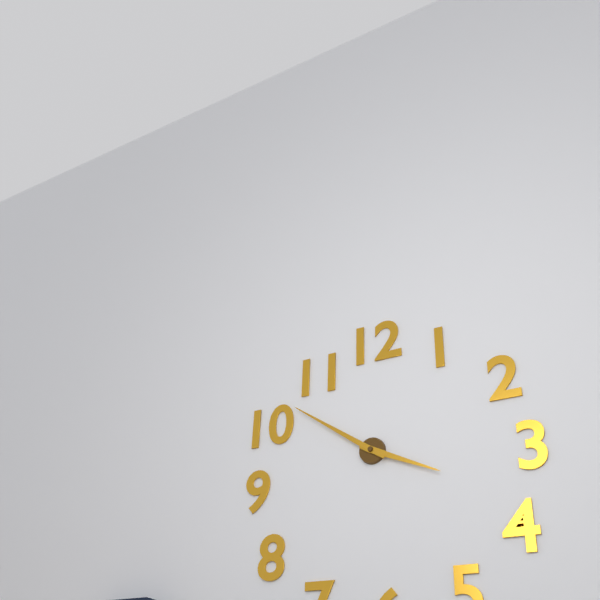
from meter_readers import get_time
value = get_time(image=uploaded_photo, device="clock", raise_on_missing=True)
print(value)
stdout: 3:51
